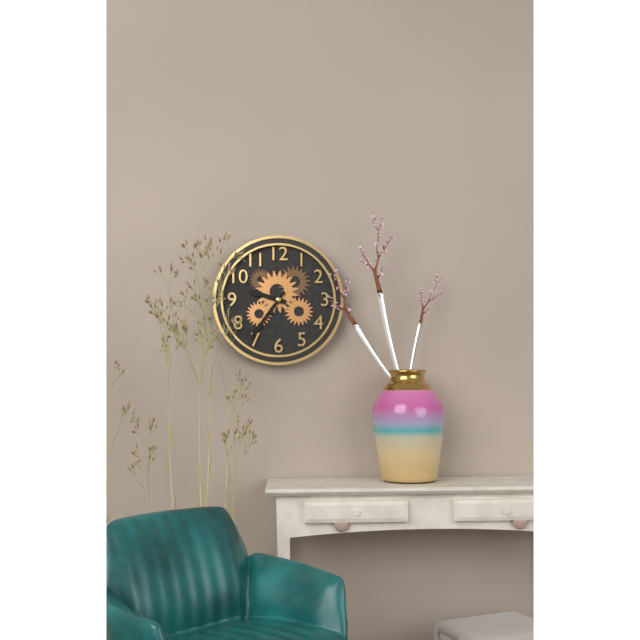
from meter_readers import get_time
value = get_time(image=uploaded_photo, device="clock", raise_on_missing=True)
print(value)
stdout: 9:36
